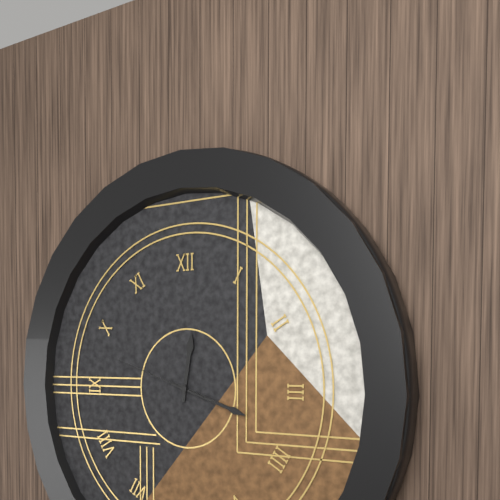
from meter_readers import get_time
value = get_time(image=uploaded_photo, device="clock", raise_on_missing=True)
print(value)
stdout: 12:18:48
